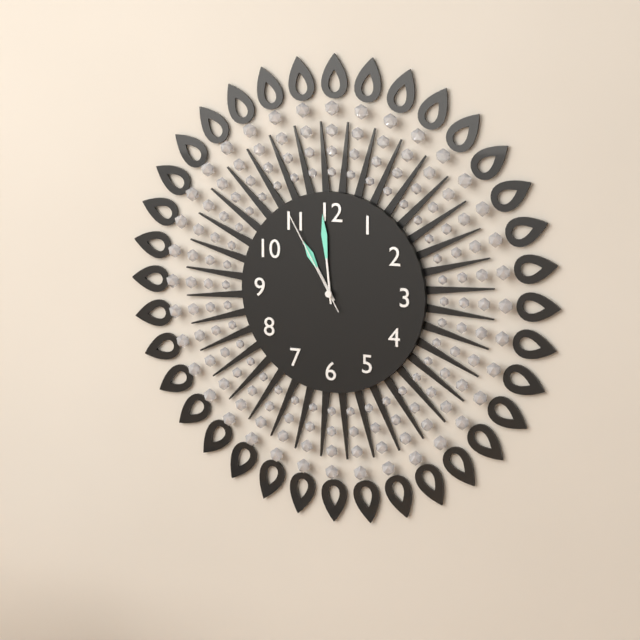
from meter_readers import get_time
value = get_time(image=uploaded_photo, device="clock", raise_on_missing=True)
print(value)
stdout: 10:59:55
